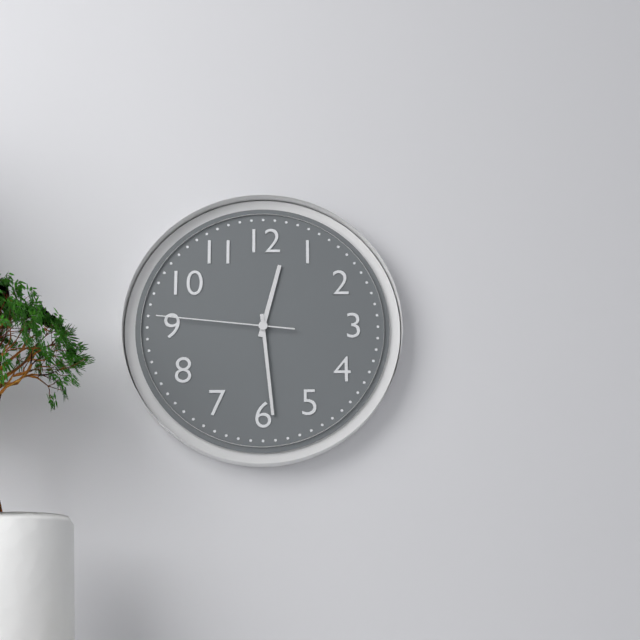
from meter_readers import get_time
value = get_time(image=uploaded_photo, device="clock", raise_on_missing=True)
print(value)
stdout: 12:29:46
